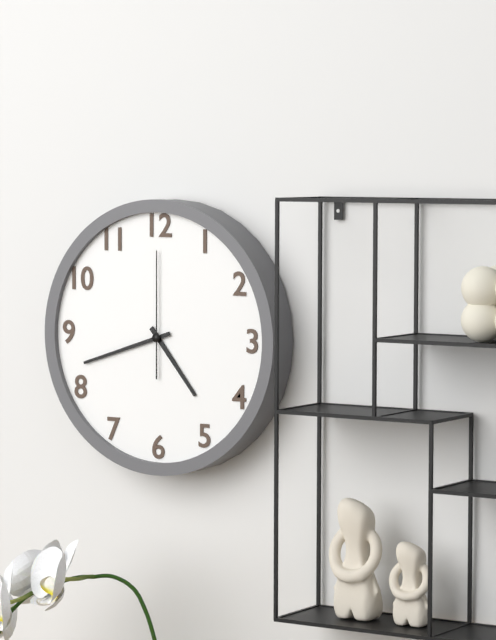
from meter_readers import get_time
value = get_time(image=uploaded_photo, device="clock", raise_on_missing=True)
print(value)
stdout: 4:42:00
